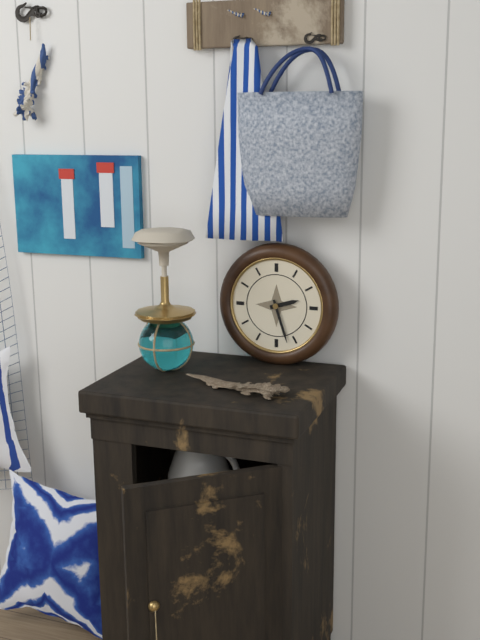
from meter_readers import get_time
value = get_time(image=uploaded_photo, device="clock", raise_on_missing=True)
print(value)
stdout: 2:27
